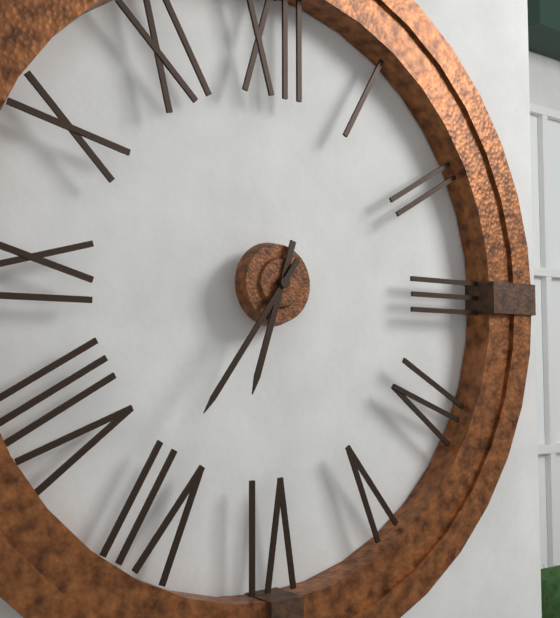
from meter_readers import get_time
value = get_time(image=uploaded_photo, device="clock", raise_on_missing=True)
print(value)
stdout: 6:36
